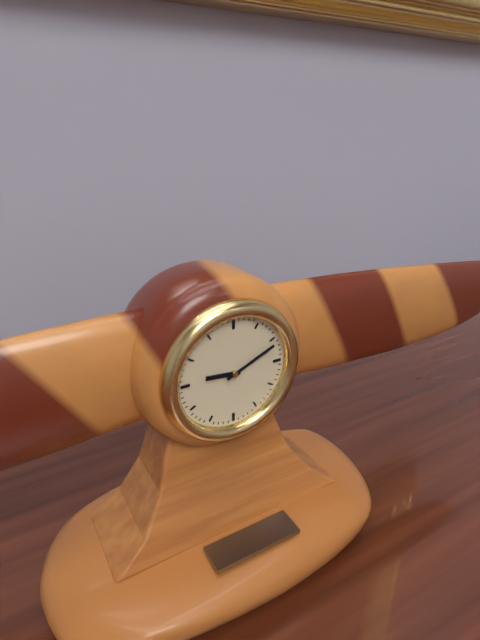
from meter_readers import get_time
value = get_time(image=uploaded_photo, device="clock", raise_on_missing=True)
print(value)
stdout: 9:11
